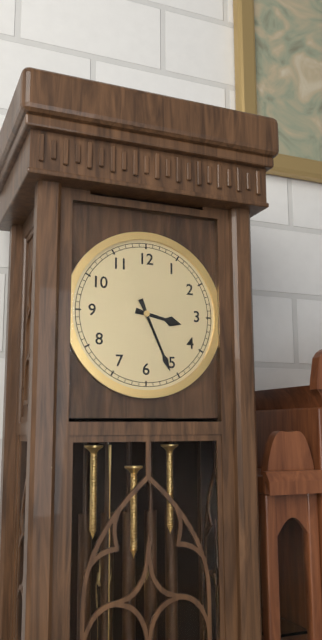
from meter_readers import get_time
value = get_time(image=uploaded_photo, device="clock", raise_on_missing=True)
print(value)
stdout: 3:26
